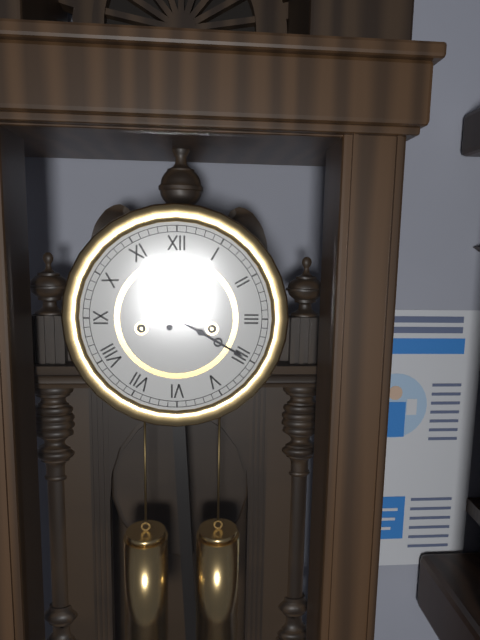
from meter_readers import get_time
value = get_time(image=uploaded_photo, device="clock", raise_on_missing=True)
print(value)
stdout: 1:20
